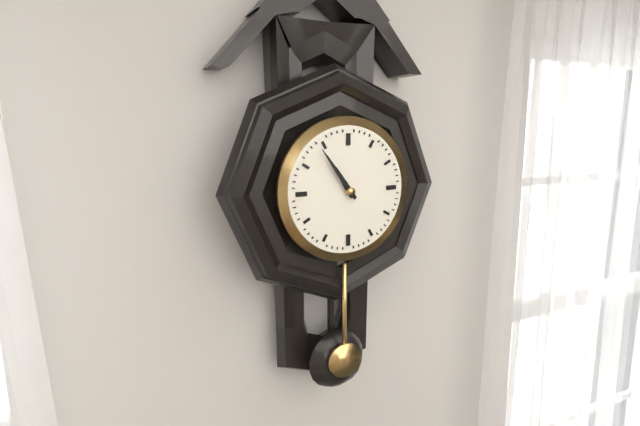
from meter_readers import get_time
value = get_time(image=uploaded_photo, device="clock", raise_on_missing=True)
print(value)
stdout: 10:54
